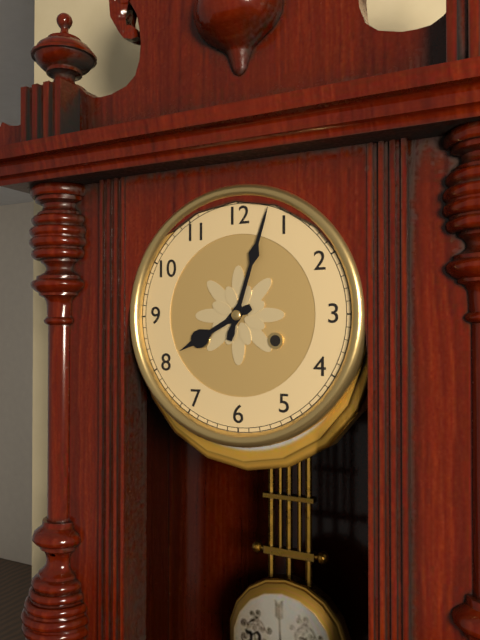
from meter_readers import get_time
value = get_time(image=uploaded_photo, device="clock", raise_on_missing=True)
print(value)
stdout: 8:03
